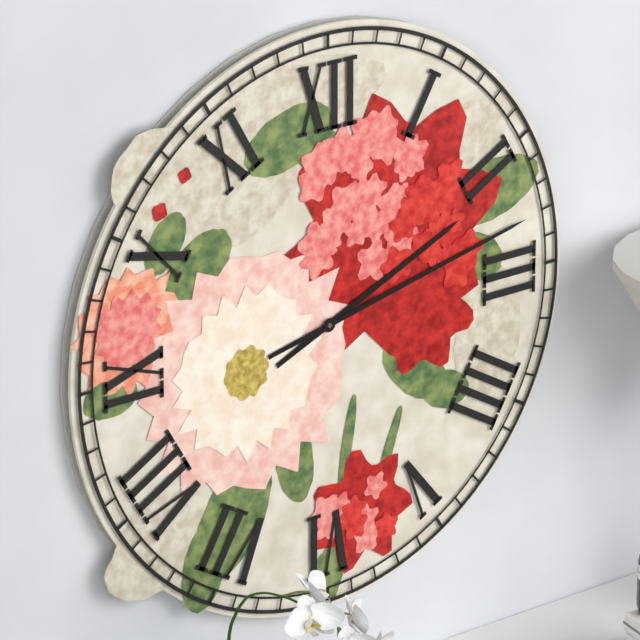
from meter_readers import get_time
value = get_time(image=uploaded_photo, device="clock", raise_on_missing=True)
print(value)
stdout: 2:13
